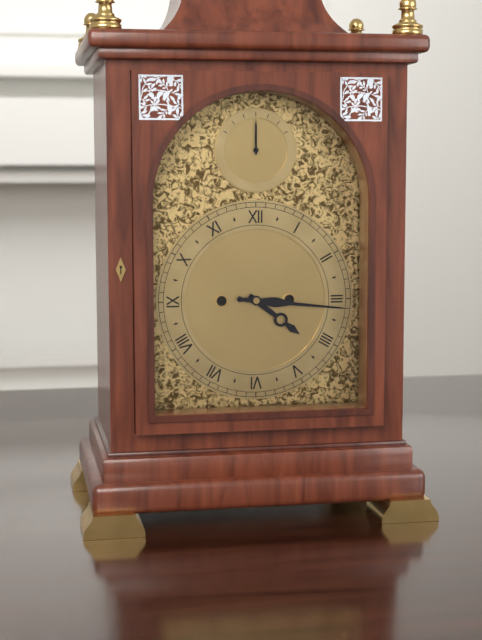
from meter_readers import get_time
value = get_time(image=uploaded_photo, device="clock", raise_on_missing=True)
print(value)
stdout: 4:16
